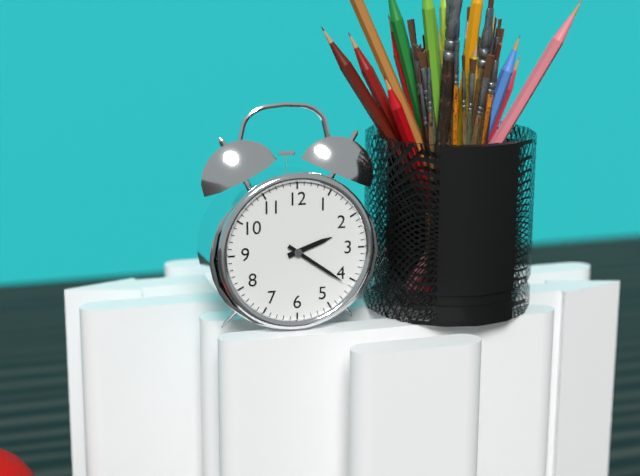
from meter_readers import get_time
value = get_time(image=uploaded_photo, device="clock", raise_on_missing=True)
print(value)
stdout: 2:21
